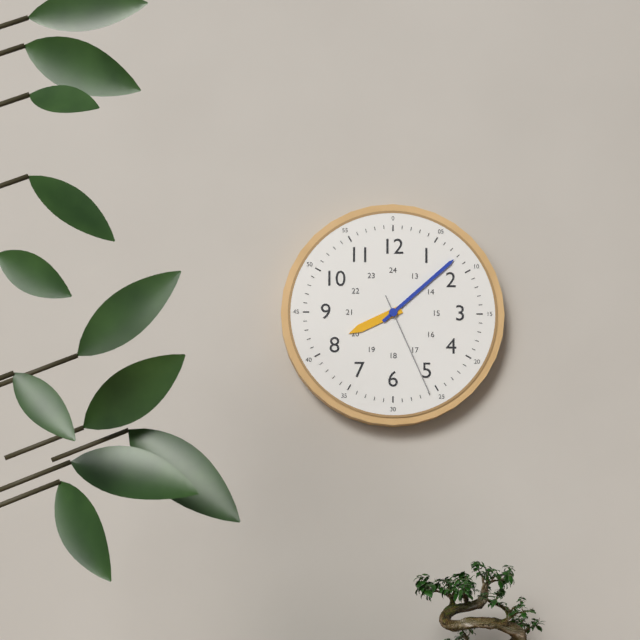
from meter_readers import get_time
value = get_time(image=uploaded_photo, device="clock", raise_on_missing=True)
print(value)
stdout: 8:08:26
